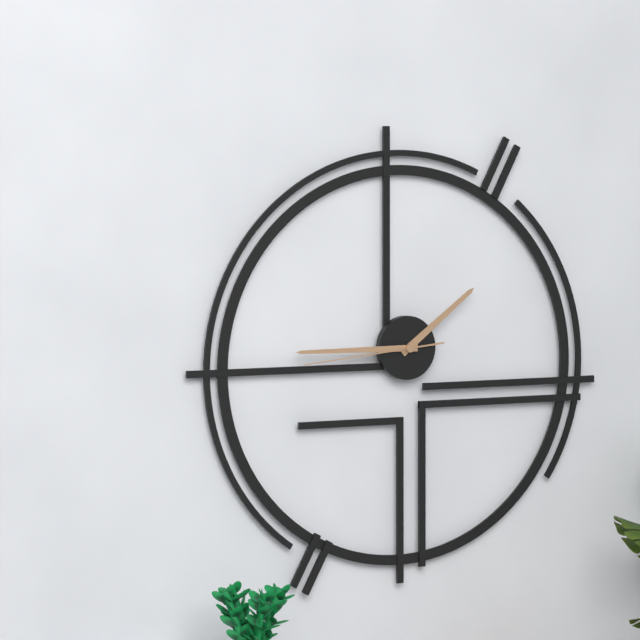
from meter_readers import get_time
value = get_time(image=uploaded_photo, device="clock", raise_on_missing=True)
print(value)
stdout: 1:45:44
